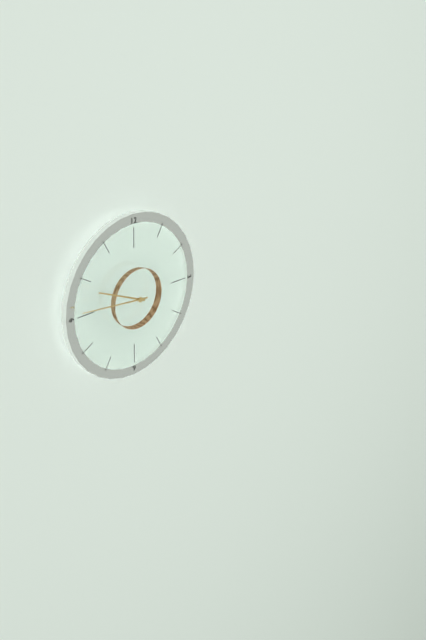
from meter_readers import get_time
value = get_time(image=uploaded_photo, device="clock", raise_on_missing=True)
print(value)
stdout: 9:46
